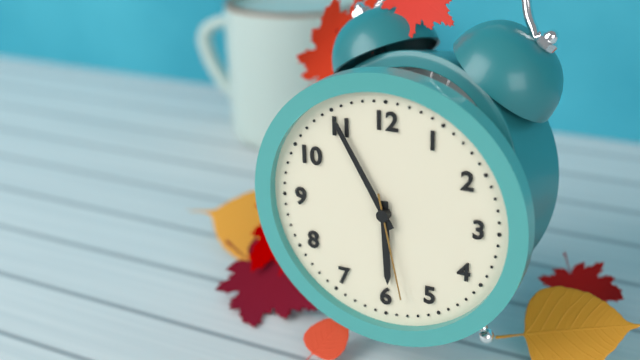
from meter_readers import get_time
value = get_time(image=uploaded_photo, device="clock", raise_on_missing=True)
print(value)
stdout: 5:55:28
